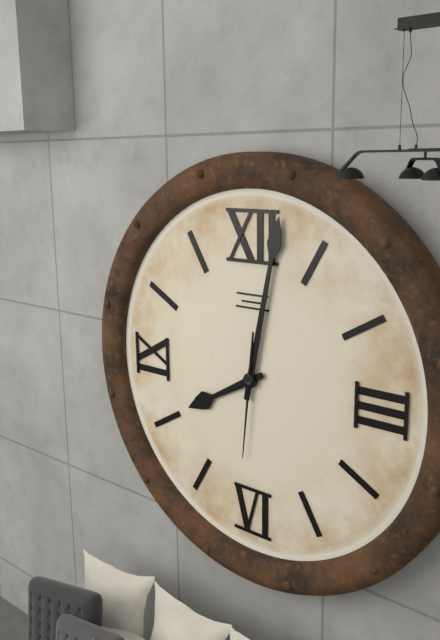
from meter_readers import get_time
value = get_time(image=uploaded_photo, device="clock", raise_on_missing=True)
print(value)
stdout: 8:02:31
